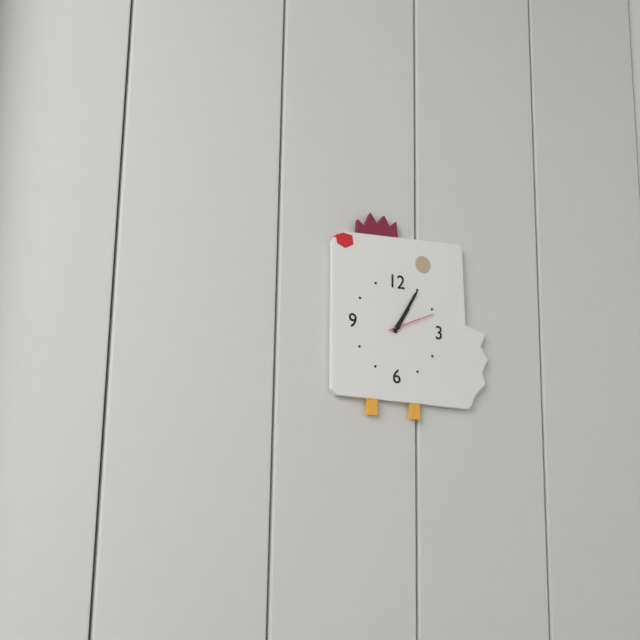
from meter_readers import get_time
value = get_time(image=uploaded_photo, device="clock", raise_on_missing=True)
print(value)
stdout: 1:05
